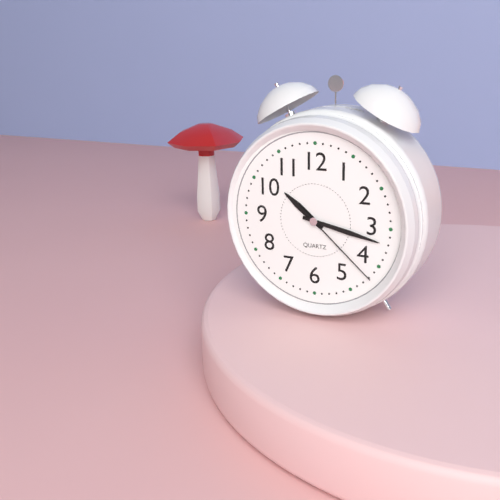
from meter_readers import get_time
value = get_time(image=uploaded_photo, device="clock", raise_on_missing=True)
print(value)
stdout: 10:17:22
